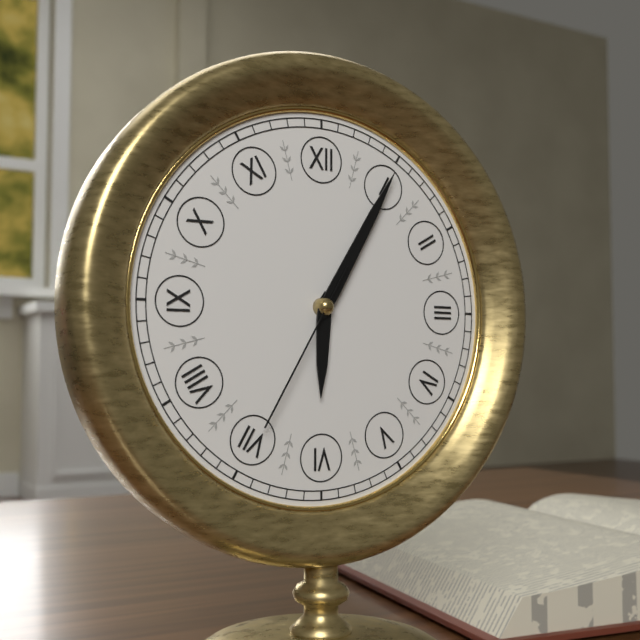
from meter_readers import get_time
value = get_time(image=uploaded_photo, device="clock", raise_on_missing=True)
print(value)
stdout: 6:05:35
